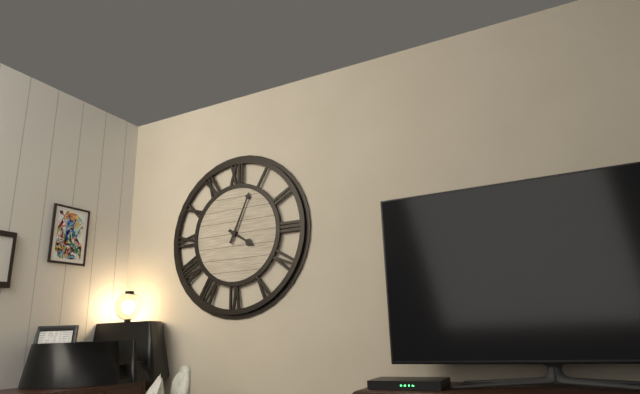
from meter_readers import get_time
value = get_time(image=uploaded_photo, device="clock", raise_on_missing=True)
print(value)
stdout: 4:04
